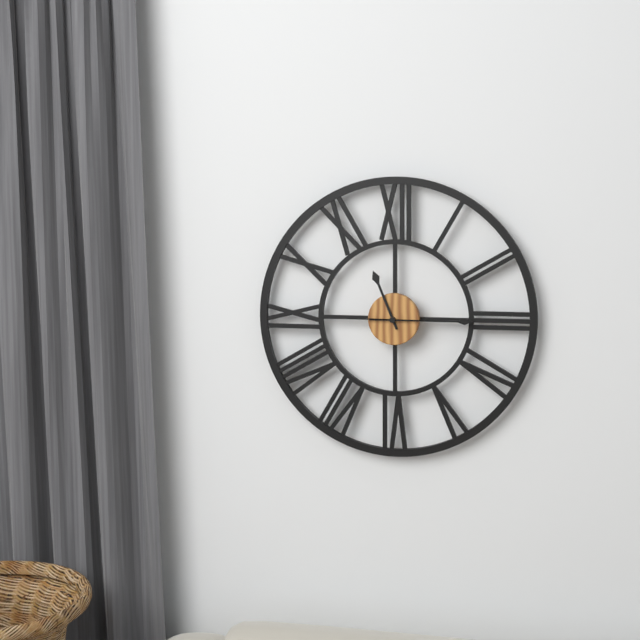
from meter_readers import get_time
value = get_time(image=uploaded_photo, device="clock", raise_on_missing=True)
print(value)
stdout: 11:15
